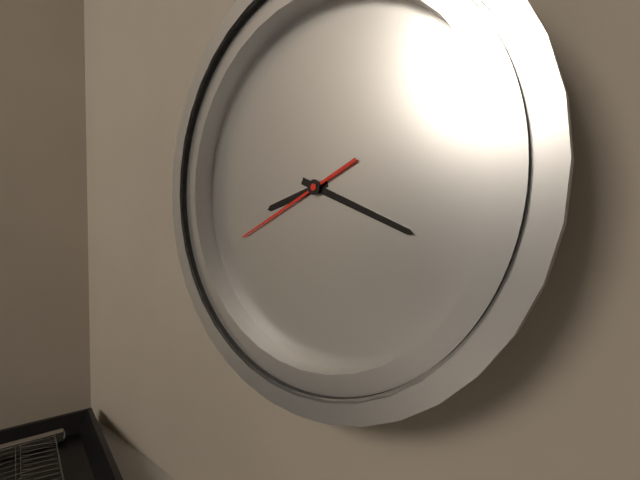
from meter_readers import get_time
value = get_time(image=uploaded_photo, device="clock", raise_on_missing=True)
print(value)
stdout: 8:18:40
